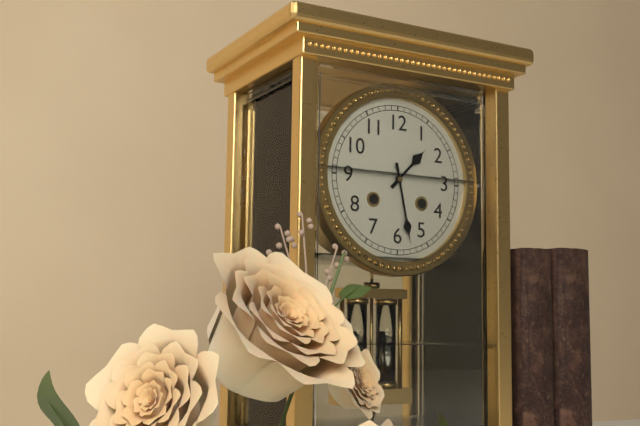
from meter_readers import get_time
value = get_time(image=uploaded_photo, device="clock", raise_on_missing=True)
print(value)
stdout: 1:28
